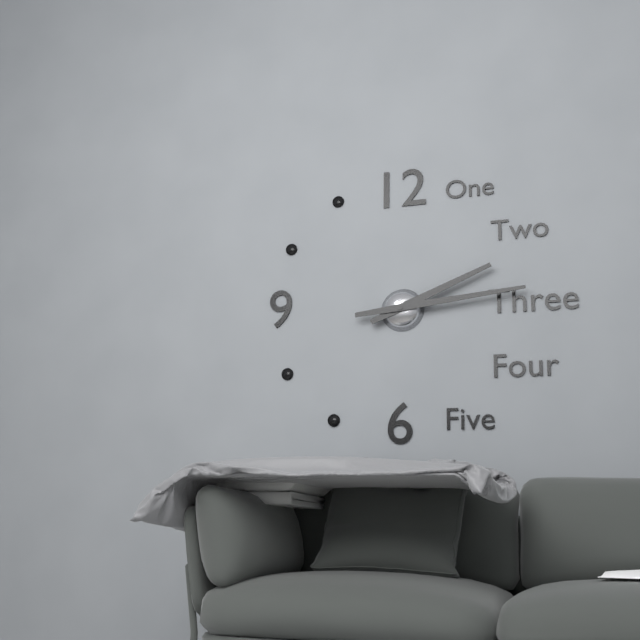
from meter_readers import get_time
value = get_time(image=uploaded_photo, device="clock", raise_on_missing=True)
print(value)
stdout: 2:14
